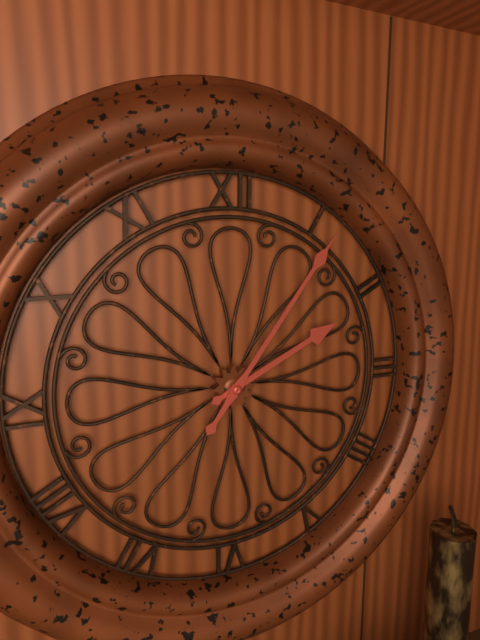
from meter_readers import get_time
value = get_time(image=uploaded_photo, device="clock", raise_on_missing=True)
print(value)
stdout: 2:06
